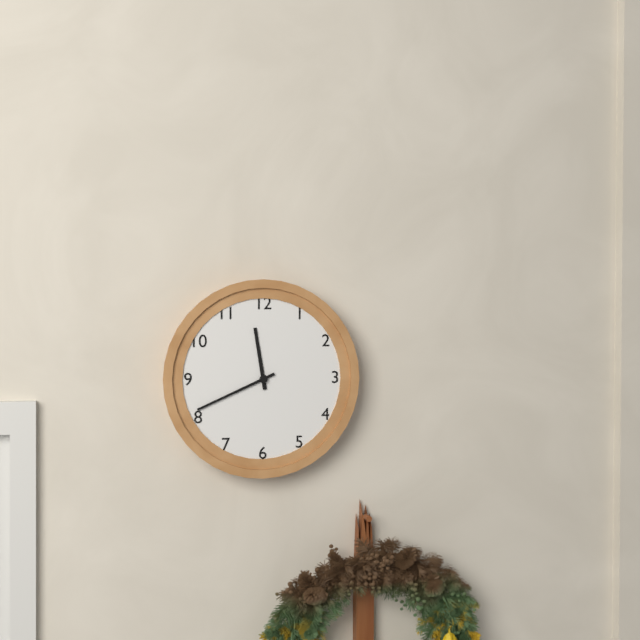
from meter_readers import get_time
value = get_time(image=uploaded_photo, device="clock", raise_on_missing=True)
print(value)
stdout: 11:41
